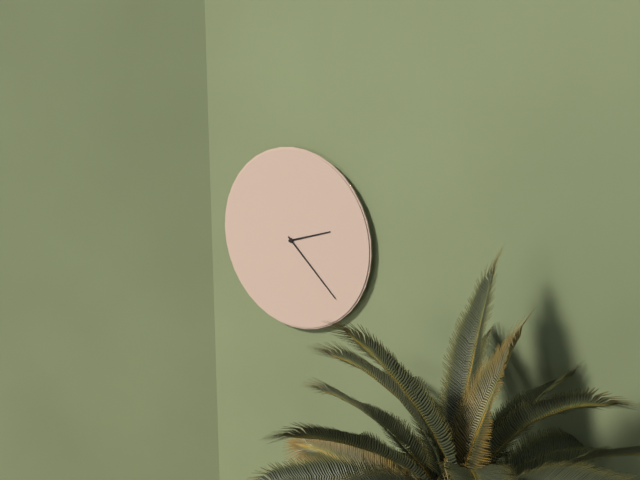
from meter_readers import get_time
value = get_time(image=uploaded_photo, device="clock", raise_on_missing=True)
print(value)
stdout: 2:22
